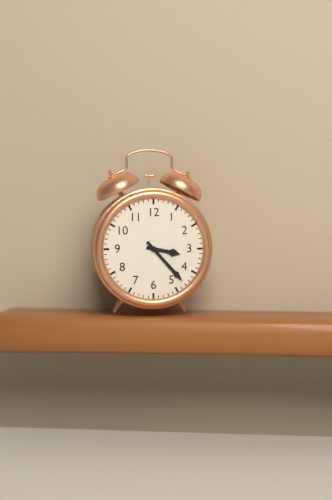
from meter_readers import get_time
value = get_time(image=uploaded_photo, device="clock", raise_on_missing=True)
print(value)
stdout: 3:23
